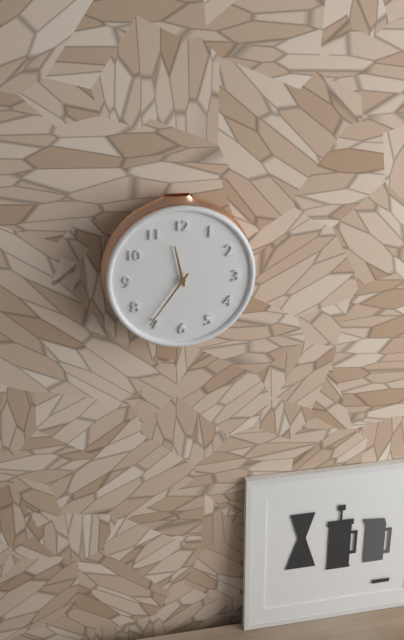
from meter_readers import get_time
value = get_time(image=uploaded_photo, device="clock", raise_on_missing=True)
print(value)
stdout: 11:36
